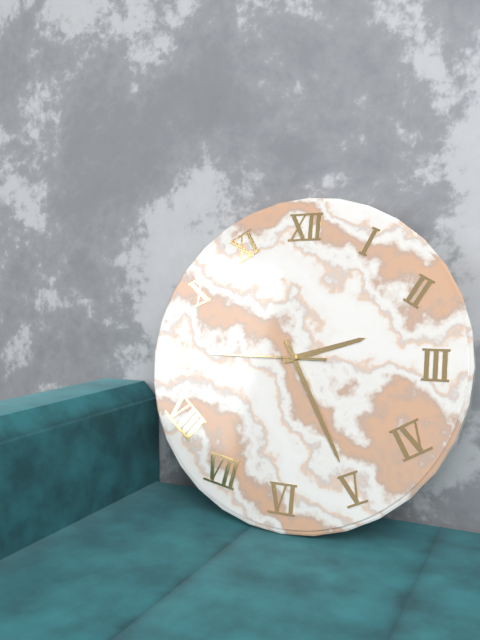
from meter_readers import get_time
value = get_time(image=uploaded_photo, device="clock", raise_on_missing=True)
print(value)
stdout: 2:25:45
